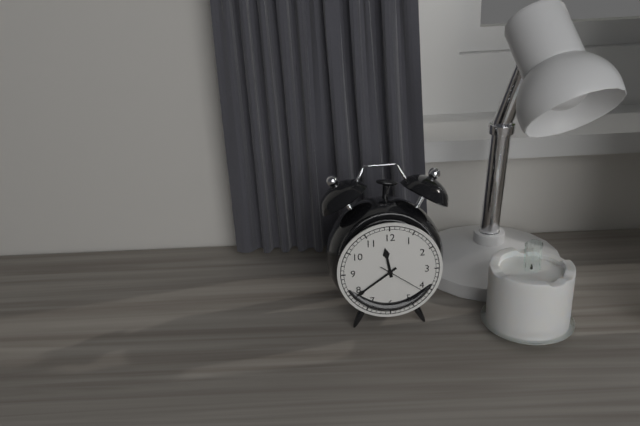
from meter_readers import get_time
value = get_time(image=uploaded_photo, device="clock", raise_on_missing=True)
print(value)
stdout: 11:39:21
